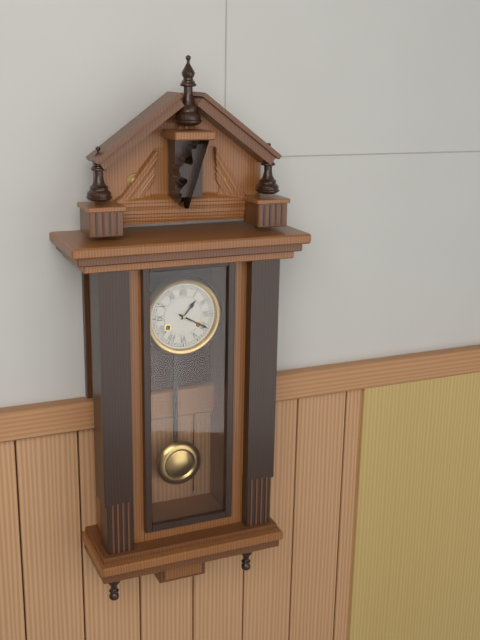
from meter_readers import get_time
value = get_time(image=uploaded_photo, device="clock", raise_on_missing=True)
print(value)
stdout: 1:20
